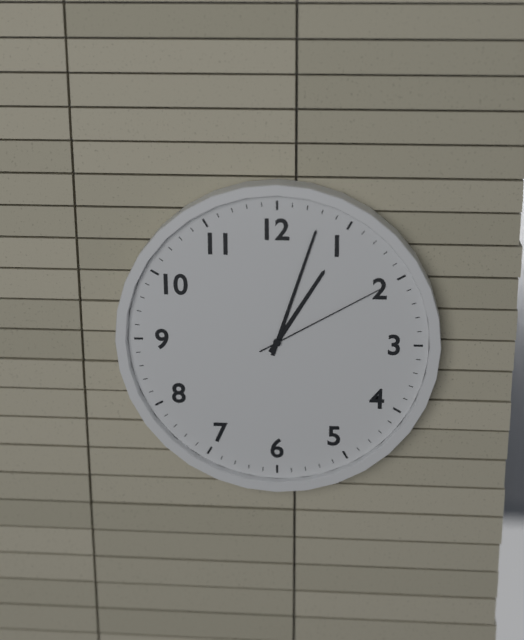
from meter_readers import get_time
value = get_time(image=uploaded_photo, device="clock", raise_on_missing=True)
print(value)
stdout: 1:03:10
